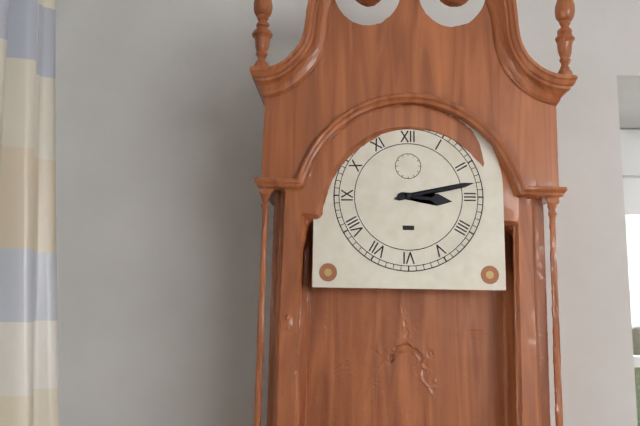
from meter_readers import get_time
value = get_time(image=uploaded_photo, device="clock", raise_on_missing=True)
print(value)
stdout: 3:13
